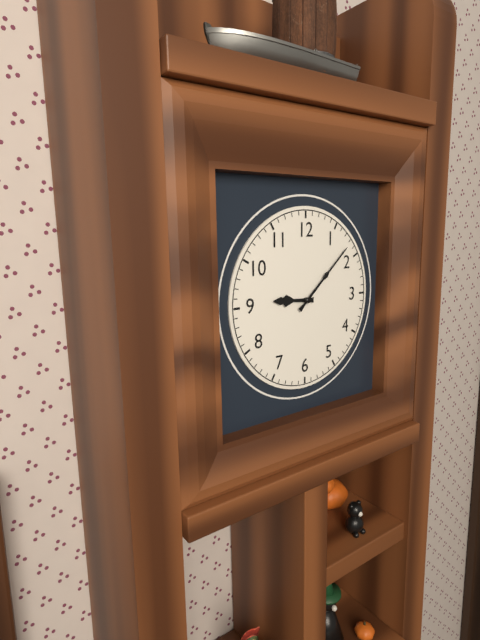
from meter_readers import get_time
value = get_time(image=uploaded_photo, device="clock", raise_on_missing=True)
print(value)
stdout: 9:08
